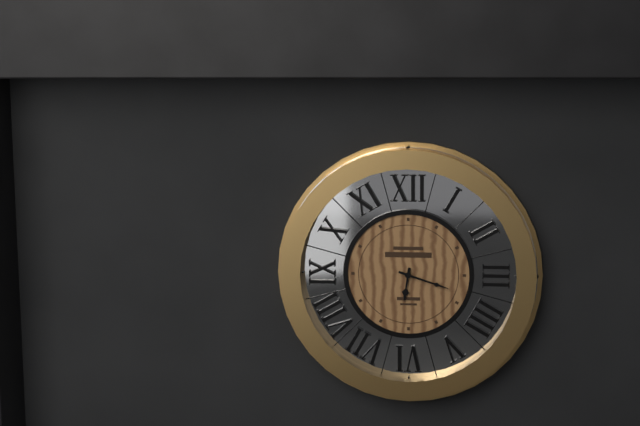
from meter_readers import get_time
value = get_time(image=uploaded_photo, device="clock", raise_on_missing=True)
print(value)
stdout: 6:18
